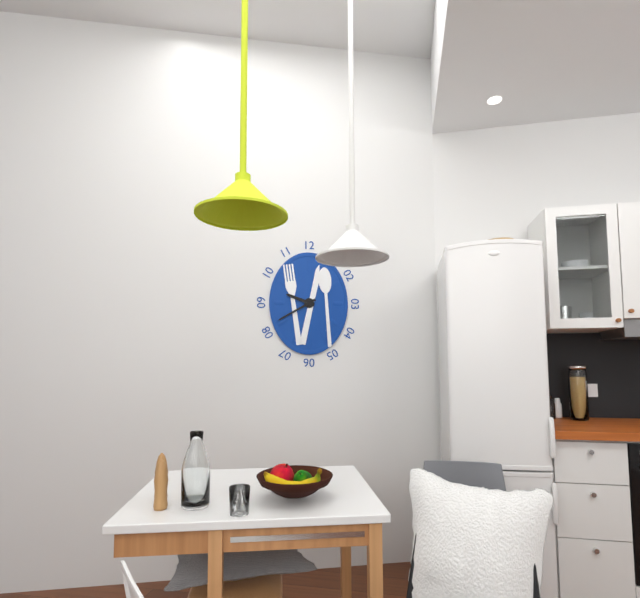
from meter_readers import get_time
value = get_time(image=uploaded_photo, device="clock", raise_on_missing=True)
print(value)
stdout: 9:40
